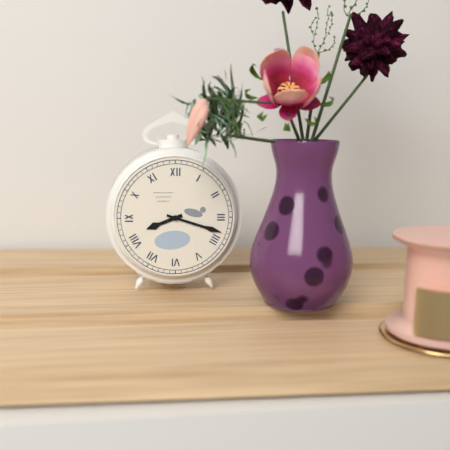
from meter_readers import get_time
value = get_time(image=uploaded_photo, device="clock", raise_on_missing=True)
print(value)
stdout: 8:18
